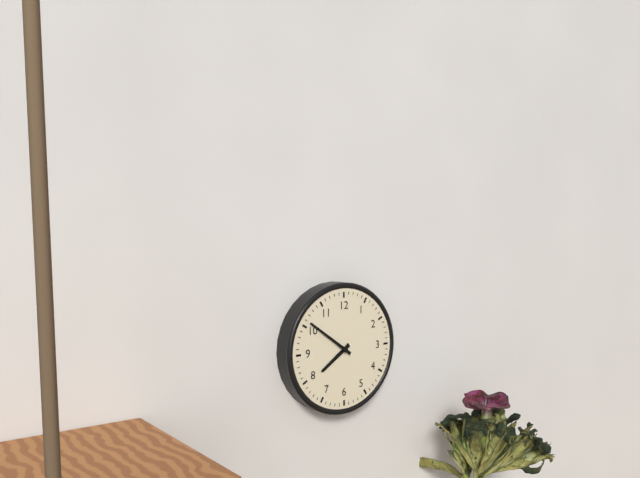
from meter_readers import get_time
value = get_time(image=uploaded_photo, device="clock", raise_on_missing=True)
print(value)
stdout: 7:51
